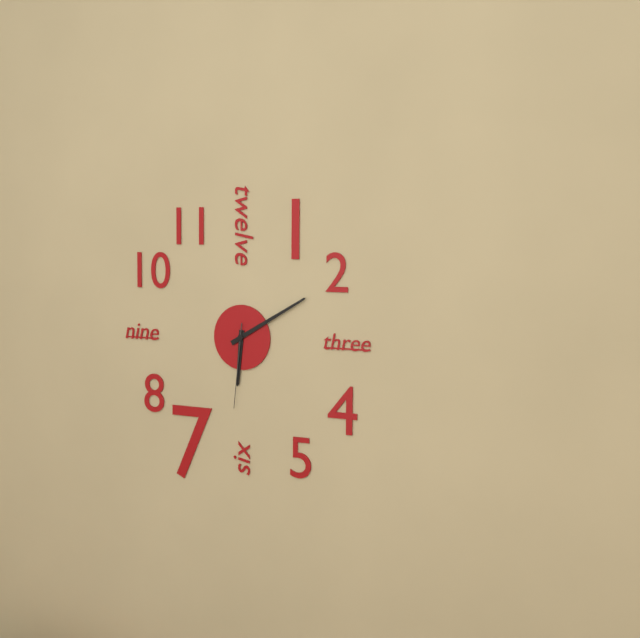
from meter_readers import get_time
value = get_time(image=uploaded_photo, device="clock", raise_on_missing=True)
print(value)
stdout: 6:10:31
